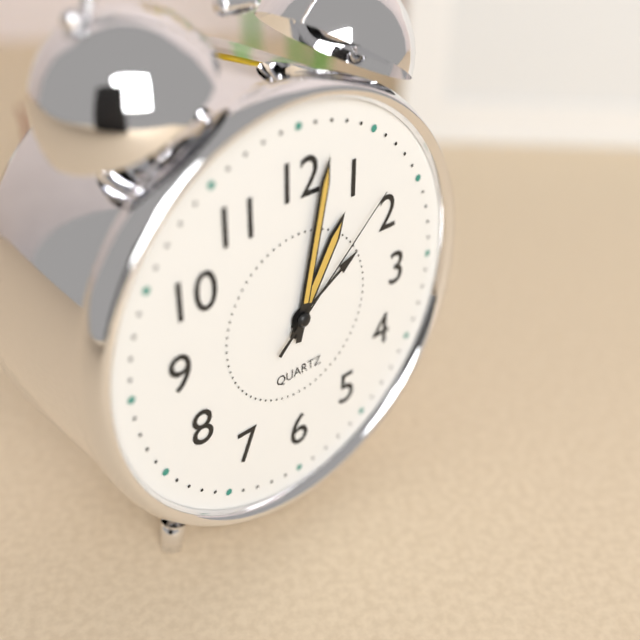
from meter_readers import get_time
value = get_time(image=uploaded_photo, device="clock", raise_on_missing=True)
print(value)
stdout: 1:02:08
